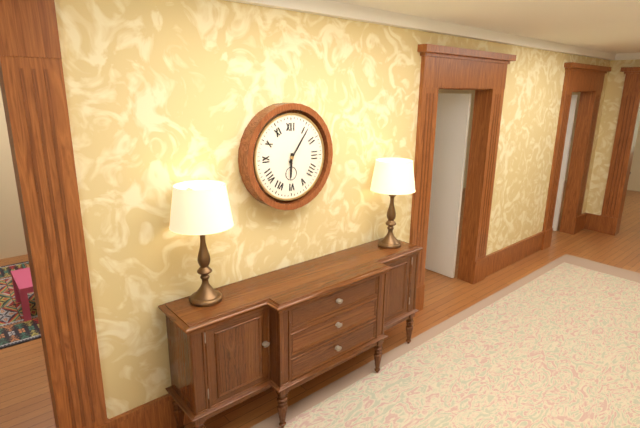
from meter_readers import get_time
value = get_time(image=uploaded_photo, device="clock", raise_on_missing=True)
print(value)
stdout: 6:06
